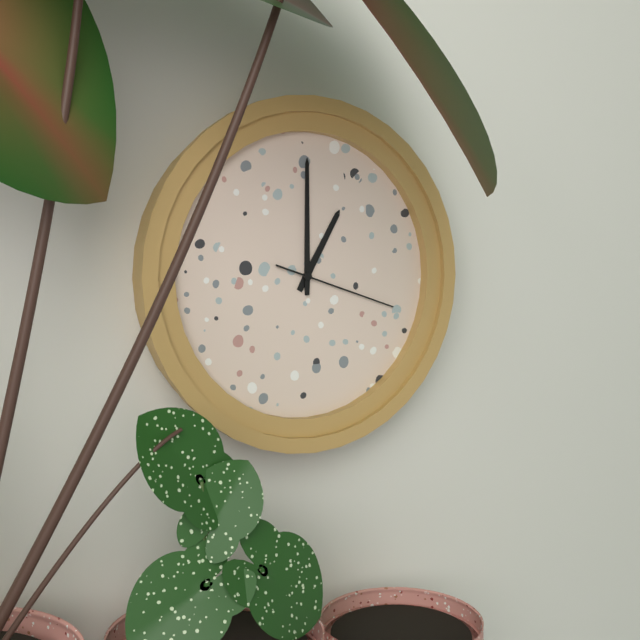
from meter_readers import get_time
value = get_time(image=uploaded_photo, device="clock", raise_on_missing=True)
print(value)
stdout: 1:00:18
